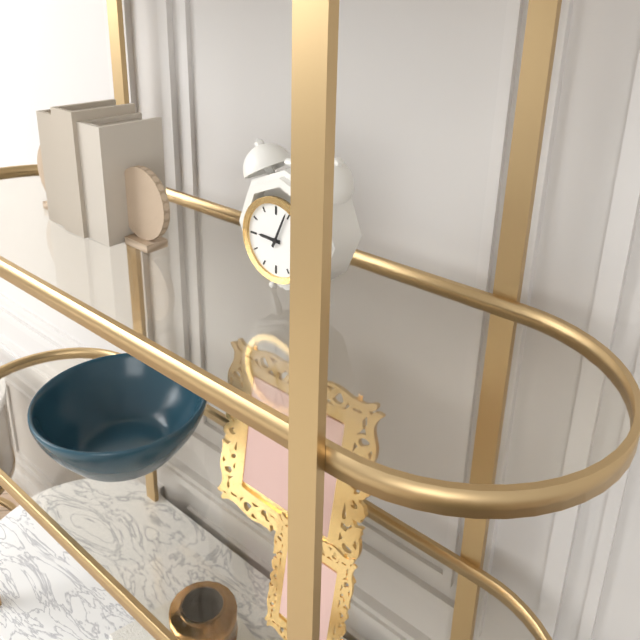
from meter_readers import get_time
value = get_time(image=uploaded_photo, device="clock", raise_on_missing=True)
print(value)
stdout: 9:04
